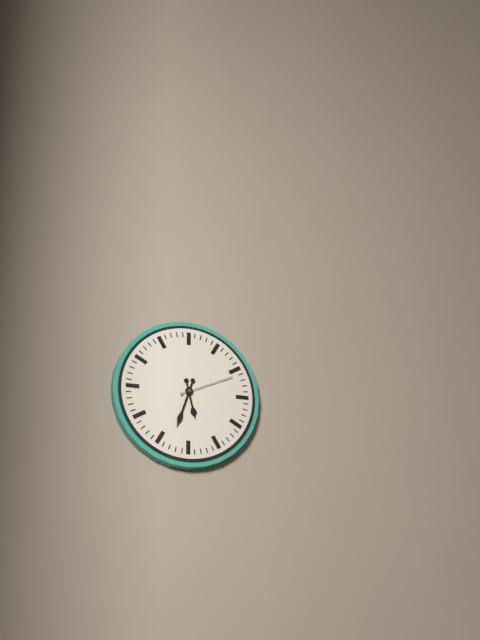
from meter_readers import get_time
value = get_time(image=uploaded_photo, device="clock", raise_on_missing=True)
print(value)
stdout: 5:33:11
